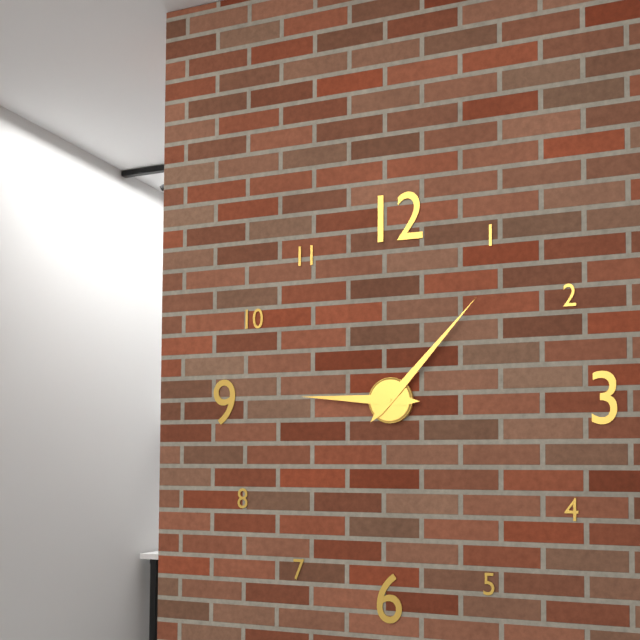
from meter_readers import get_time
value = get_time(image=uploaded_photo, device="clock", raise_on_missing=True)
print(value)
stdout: 9:07
